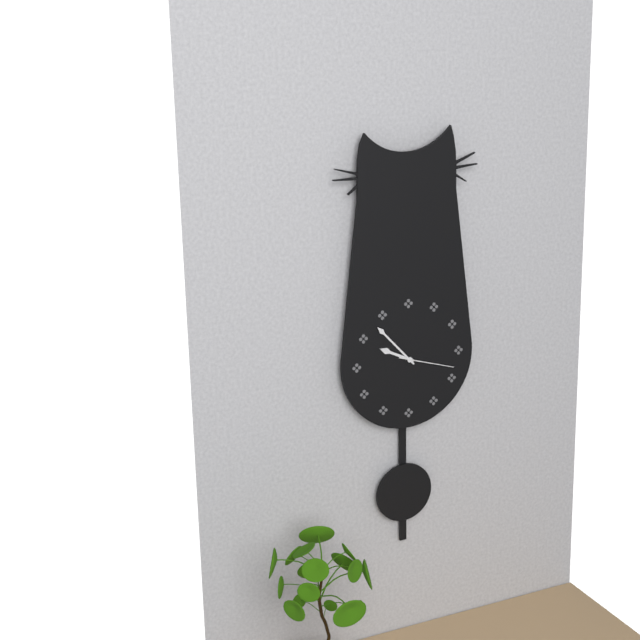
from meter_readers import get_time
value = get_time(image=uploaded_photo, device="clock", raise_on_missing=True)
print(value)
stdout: 9:53:18
